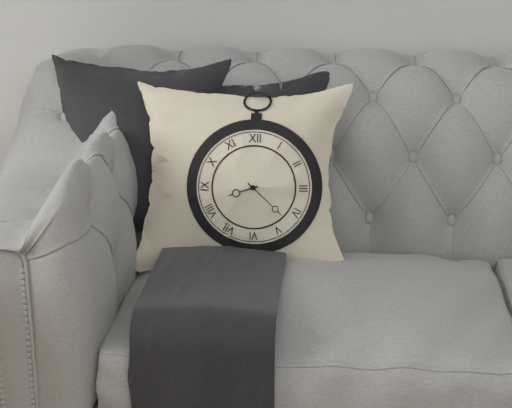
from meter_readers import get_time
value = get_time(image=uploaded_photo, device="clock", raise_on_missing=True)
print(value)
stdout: 8:22
